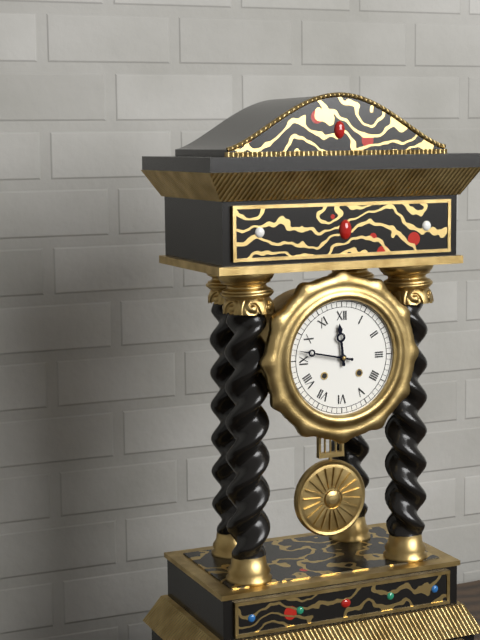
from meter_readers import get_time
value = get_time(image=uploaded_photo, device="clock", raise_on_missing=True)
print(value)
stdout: 11:47
